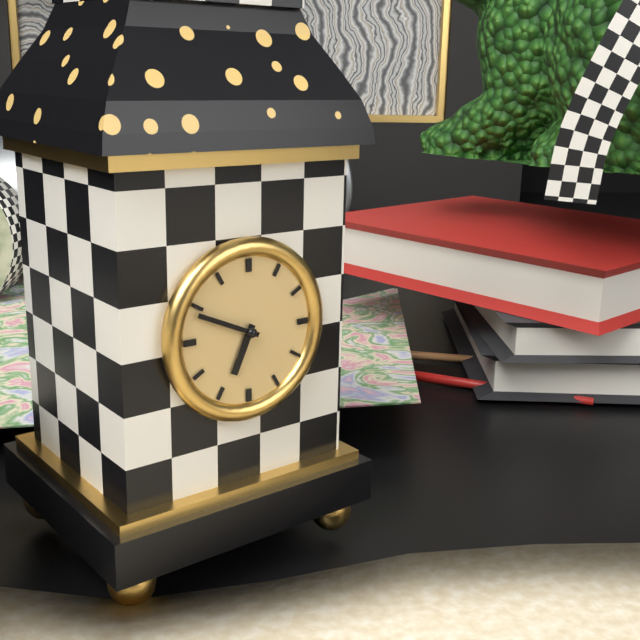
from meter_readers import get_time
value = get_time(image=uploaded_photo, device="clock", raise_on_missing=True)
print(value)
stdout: 6:49
